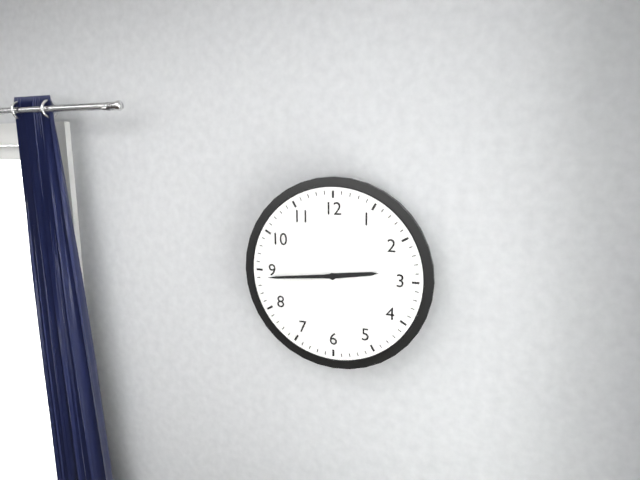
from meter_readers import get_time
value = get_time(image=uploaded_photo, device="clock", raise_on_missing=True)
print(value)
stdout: 2:44
